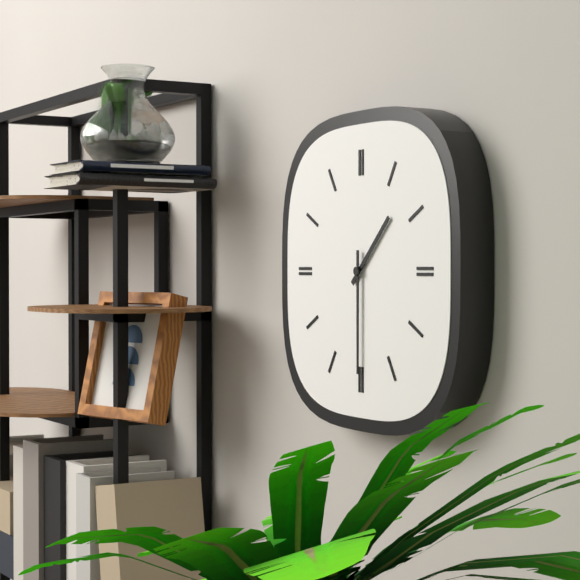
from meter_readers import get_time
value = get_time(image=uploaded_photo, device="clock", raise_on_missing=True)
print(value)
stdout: 1:30
